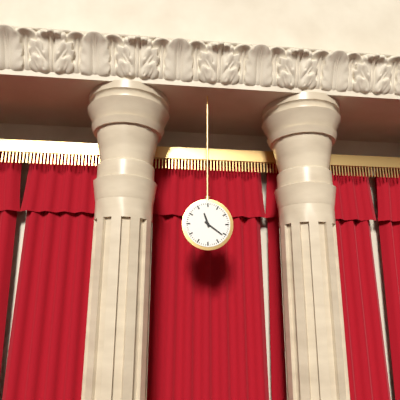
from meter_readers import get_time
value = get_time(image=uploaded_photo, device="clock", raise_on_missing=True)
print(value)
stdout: 11:21
